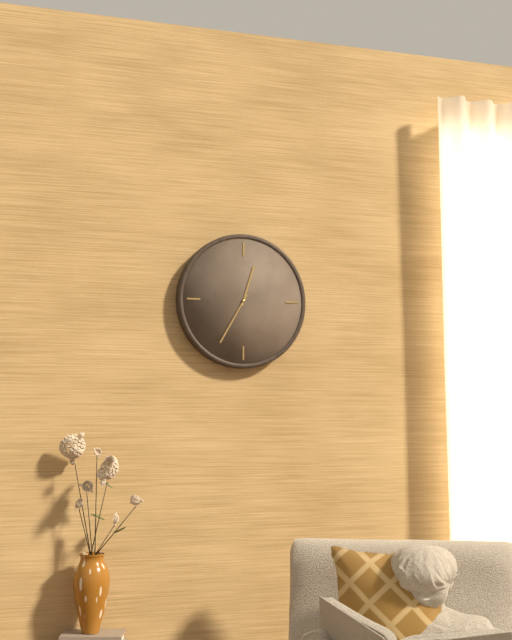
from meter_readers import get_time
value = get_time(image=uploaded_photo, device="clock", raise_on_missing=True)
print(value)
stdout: 12:35
